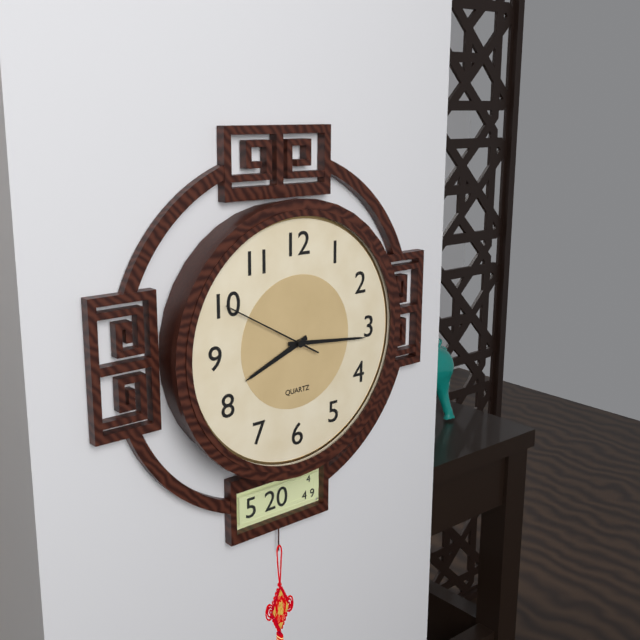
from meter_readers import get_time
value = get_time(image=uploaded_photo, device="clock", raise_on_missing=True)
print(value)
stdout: 8:16:50
